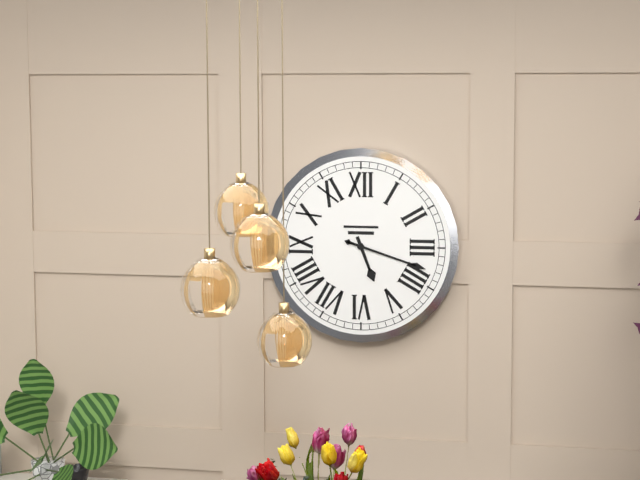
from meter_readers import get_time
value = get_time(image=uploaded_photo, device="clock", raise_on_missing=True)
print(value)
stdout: 5:18
